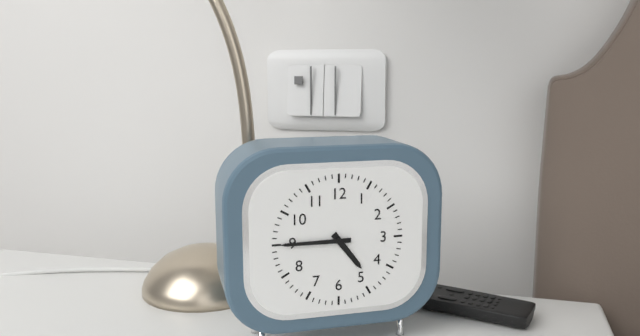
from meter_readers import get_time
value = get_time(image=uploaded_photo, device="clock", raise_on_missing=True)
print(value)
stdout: 4:45
